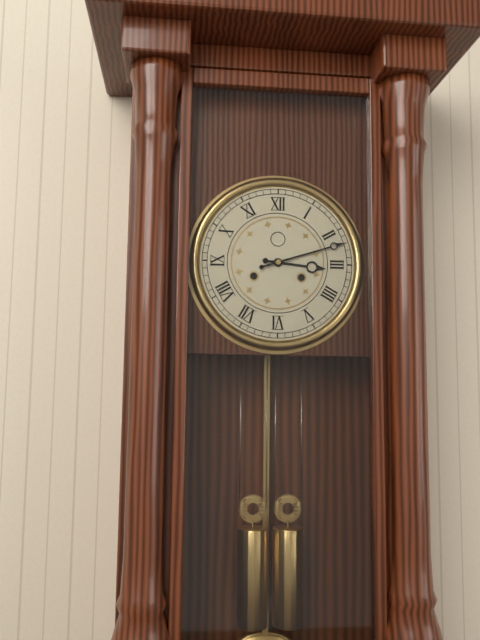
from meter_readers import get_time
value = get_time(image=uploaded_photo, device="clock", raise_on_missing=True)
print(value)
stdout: 3:12
